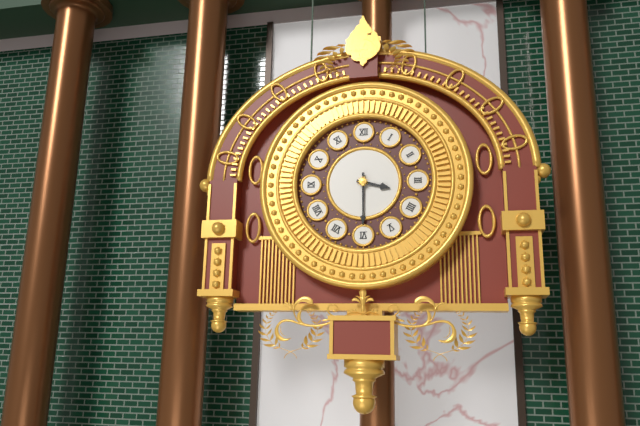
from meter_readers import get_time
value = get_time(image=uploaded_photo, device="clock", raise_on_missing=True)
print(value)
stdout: 3:30
